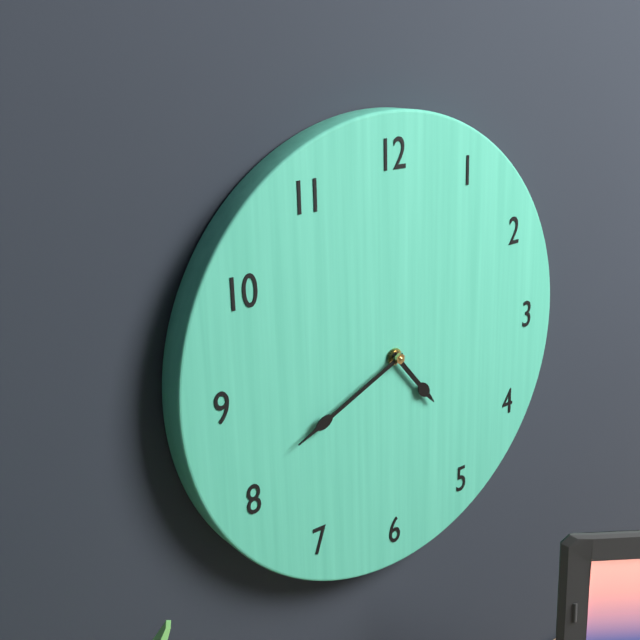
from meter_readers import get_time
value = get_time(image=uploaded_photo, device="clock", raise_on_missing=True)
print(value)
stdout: 4:41
